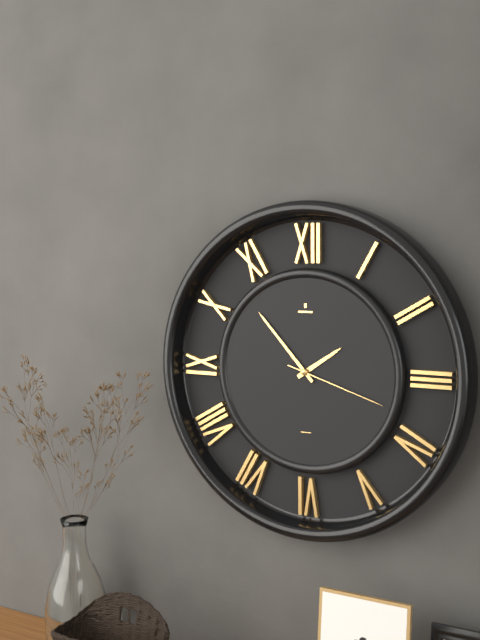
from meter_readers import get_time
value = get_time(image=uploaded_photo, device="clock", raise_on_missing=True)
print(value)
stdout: 1:53:18
